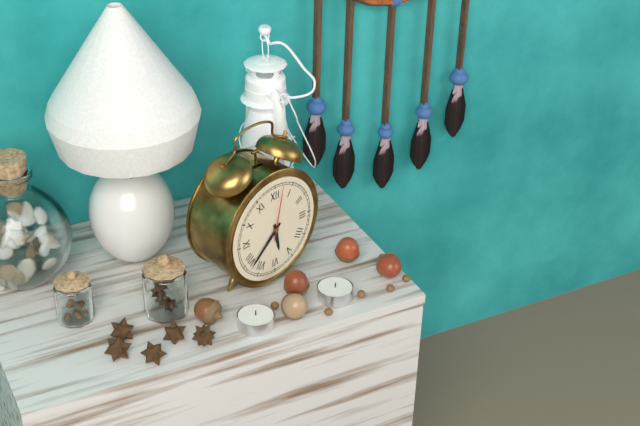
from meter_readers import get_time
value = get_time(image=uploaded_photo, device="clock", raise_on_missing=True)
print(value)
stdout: 5:38:02
